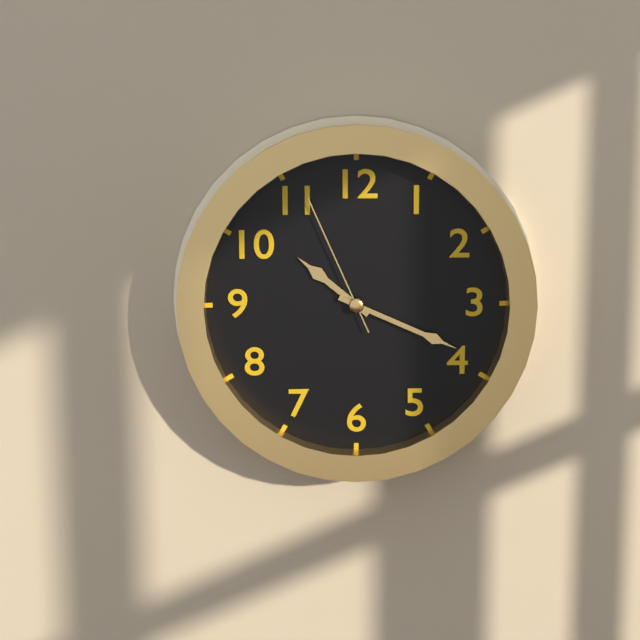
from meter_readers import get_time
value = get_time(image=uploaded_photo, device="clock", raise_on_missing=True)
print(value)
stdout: 10:19:56
